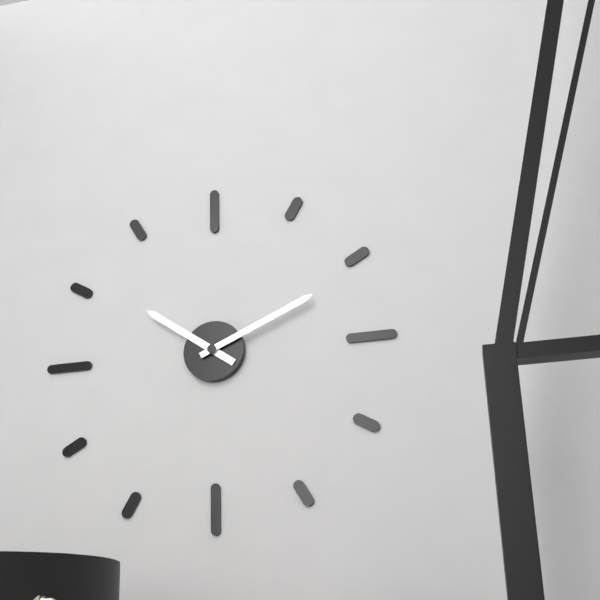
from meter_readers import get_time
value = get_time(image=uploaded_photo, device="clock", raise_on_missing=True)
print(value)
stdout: 10:11
